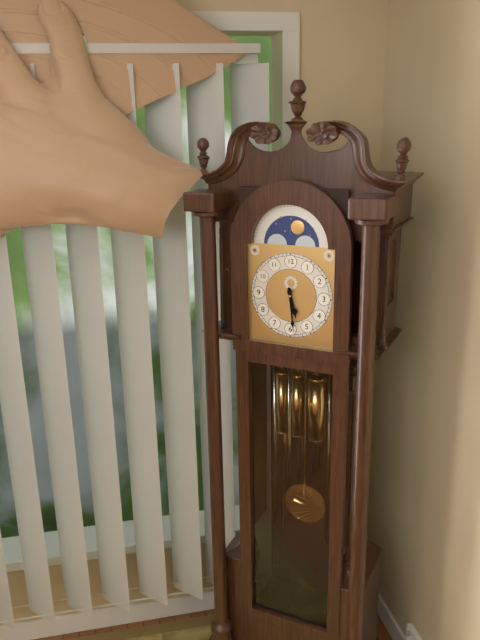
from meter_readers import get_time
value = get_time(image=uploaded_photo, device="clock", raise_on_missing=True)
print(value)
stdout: 5:29
